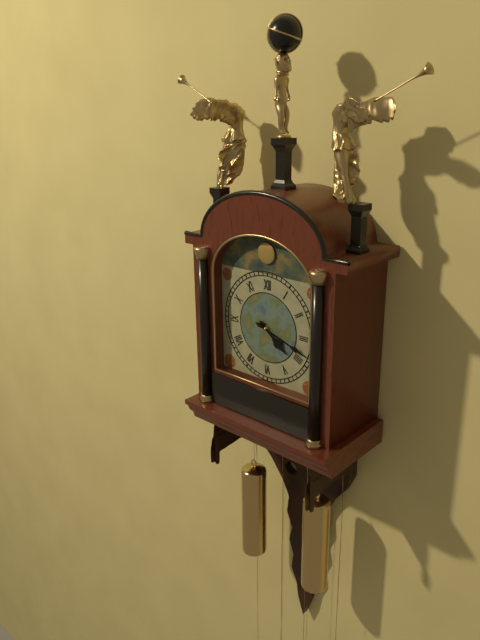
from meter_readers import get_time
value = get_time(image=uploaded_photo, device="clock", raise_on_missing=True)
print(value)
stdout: 4:18
